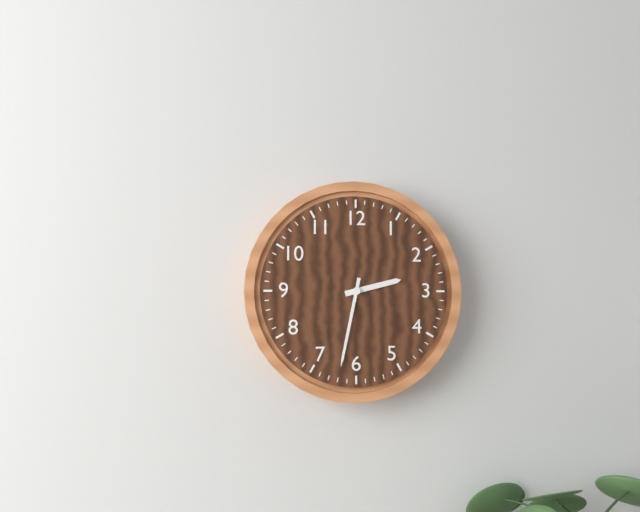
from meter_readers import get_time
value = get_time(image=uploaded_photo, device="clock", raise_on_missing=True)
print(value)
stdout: 2:32
